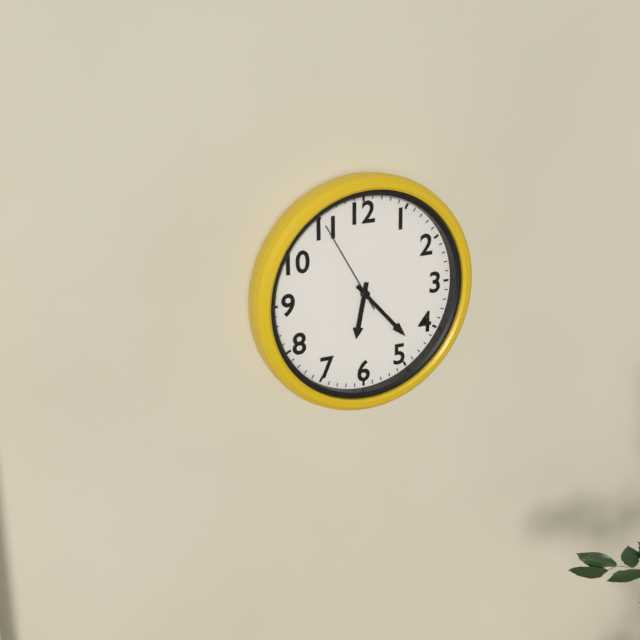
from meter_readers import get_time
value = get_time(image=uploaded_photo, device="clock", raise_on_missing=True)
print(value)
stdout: 6:23:55
